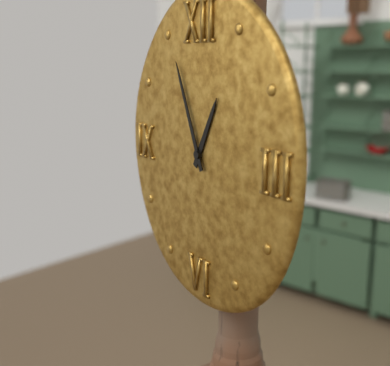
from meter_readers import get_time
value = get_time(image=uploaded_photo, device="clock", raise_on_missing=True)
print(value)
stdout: 12:56
